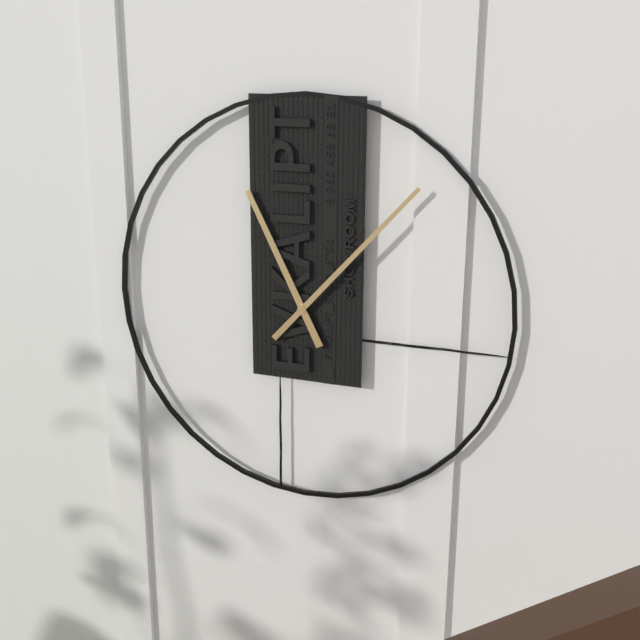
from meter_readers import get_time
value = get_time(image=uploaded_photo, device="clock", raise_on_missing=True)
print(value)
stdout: 11:07
